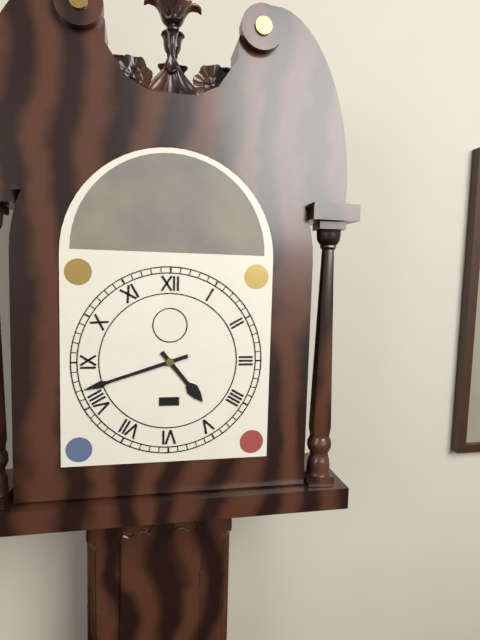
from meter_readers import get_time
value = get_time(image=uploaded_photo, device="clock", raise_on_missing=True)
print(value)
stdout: 4:42
